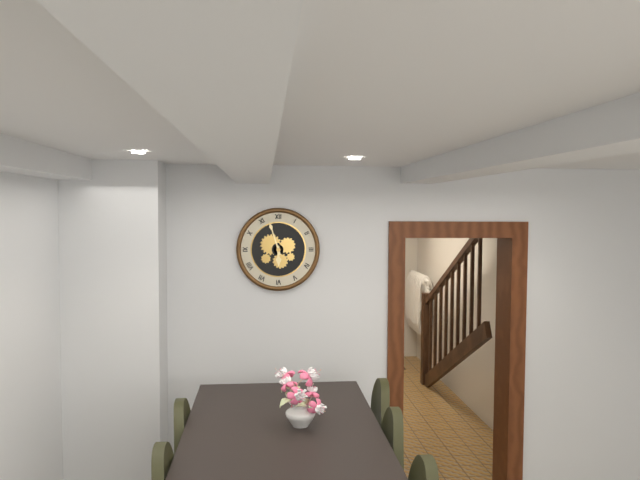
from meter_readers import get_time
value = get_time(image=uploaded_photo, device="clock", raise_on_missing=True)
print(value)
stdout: 5:57
